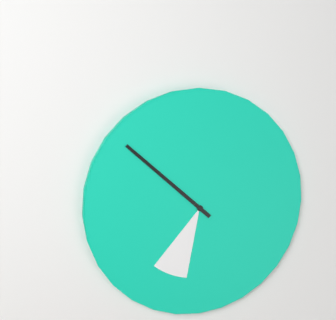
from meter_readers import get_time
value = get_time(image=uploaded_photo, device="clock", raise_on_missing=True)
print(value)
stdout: 6:52
